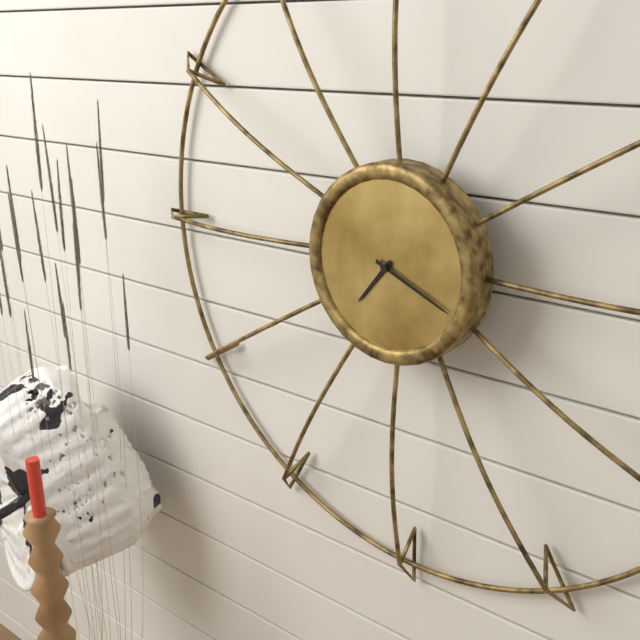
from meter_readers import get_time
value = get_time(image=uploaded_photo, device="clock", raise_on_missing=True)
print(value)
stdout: 7:19
